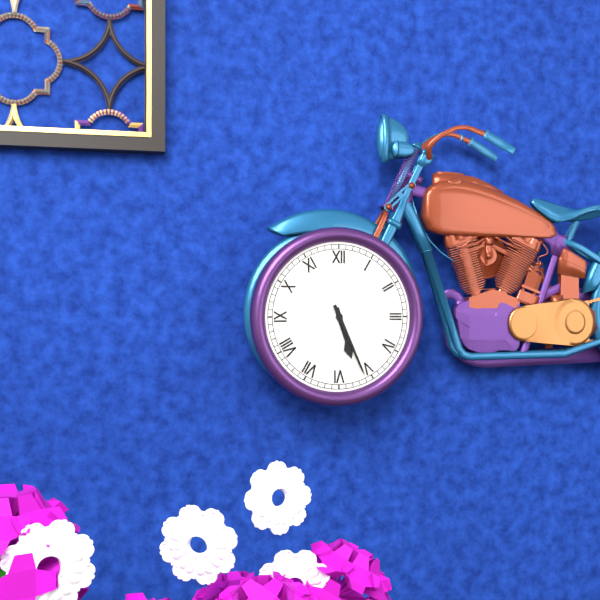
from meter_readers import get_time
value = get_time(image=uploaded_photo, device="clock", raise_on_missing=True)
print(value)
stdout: 5:26
